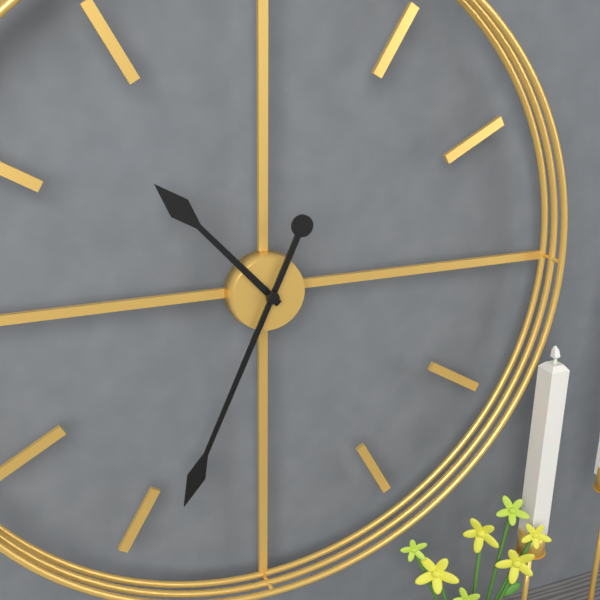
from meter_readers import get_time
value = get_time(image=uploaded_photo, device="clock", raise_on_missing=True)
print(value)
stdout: 10:34
